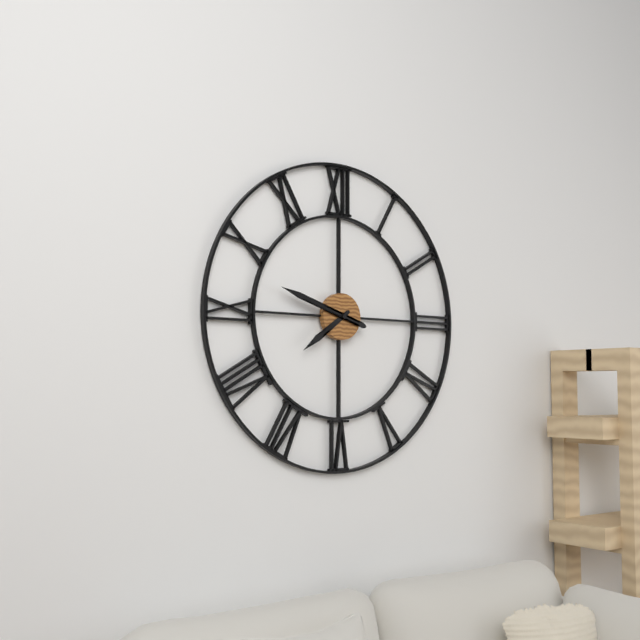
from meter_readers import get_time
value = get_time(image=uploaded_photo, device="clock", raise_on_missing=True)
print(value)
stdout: 7:48
